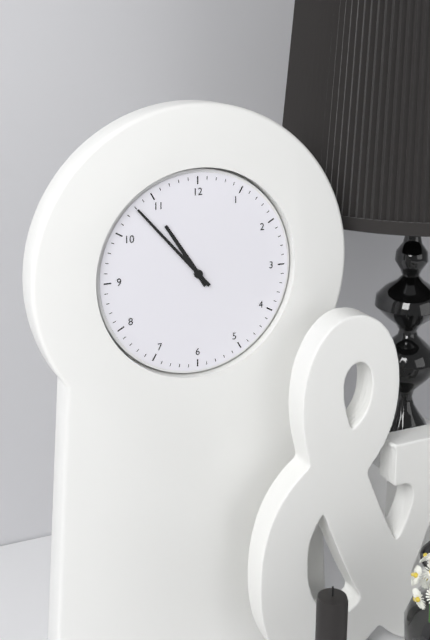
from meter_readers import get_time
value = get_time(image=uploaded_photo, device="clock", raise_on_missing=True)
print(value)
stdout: 10:53
